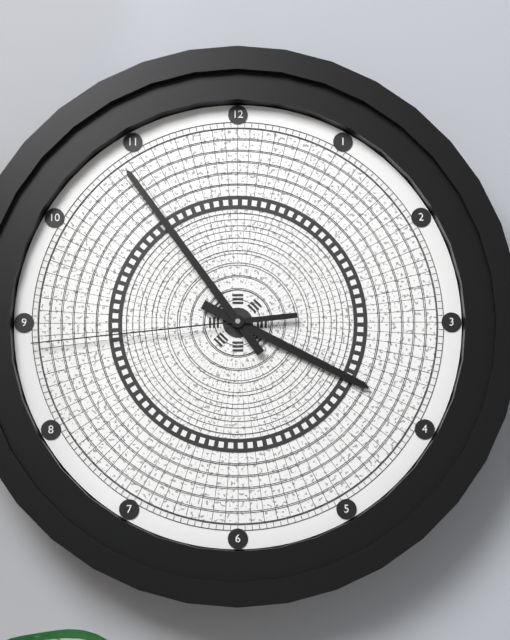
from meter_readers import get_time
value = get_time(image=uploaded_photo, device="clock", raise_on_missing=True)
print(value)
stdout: 3:54:44
